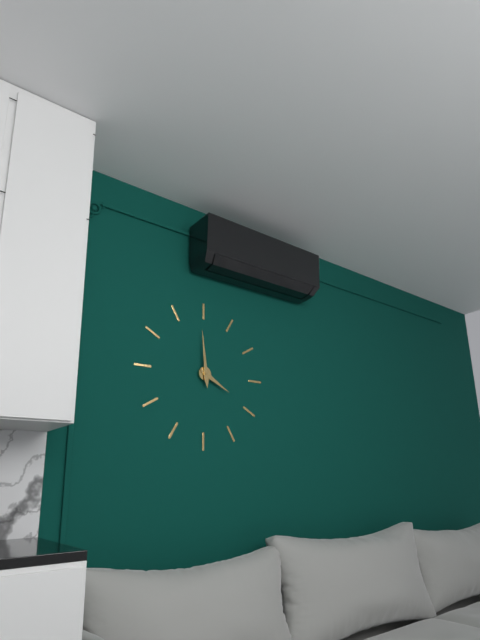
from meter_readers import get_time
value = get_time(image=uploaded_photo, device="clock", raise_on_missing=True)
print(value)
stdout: 3:59
